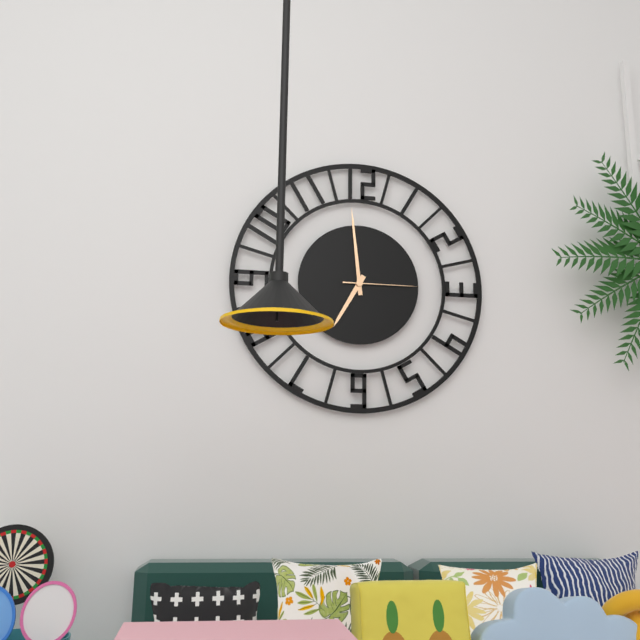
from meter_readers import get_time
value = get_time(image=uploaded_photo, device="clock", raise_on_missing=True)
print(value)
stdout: 6:59:15
